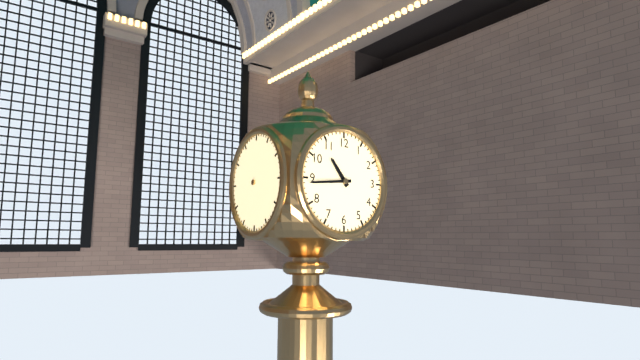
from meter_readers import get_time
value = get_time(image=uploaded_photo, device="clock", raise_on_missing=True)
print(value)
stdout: 10:44
